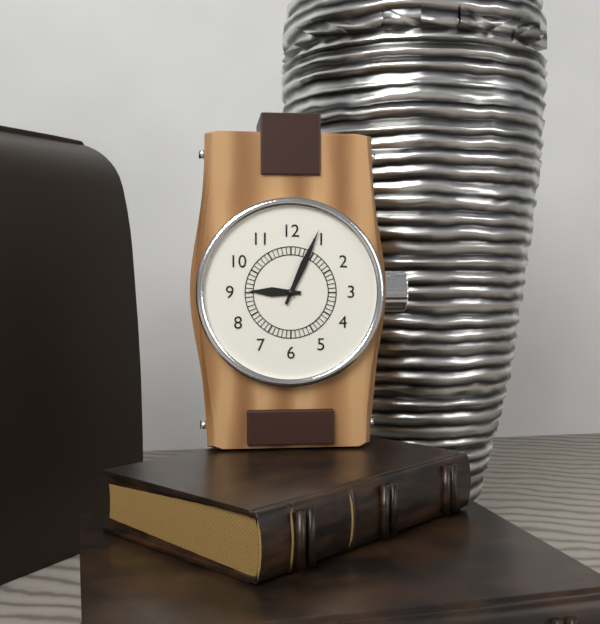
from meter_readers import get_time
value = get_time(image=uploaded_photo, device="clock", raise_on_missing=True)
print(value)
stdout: 9:04
